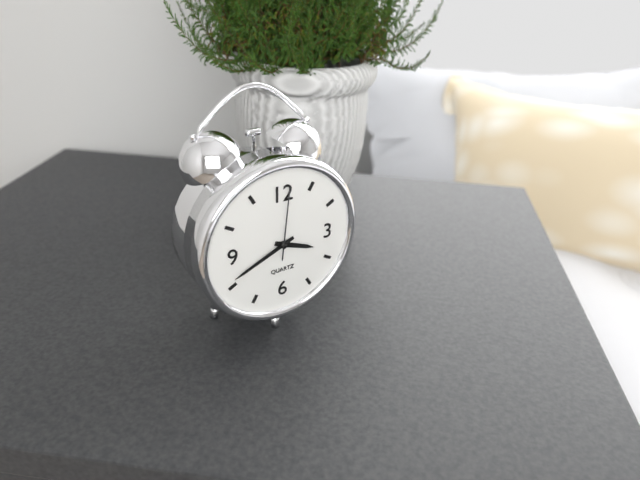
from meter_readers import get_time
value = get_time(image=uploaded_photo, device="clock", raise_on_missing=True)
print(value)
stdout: 3:41:01
